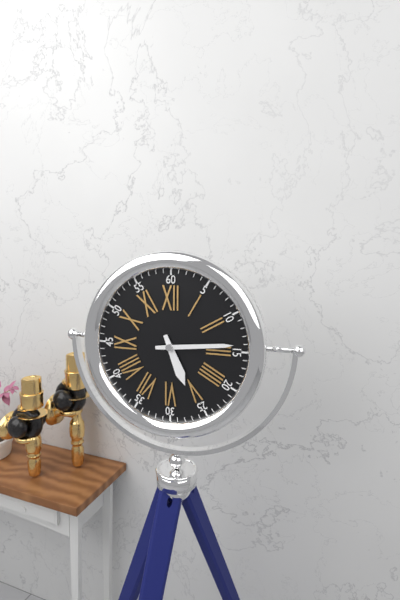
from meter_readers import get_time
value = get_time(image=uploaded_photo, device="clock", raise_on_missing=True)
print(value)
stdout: 5:14
